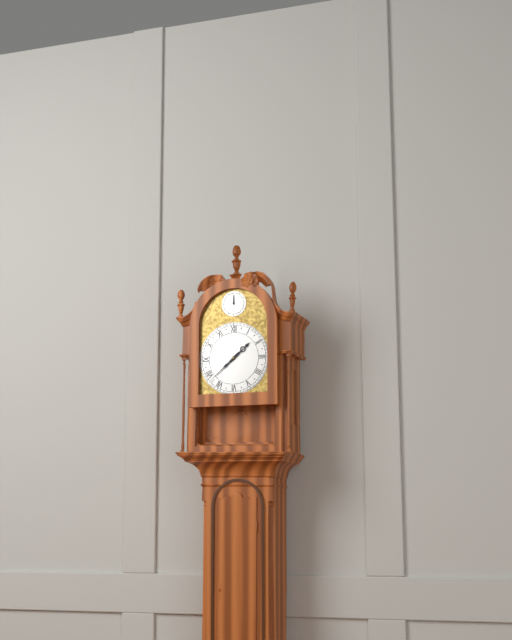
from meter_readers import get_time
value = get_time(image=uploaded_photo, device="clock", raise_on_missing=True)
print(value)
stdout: 1:38
